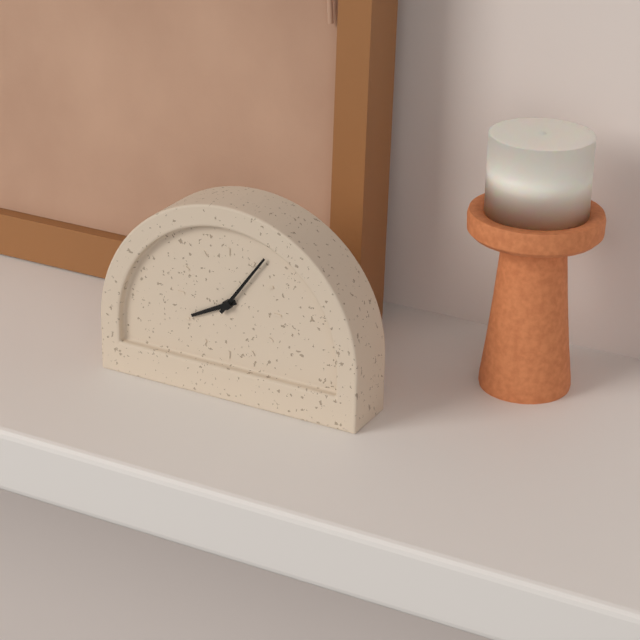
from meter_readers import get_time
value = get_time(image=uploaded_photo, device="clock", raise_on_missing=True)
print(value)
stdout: 8:06
